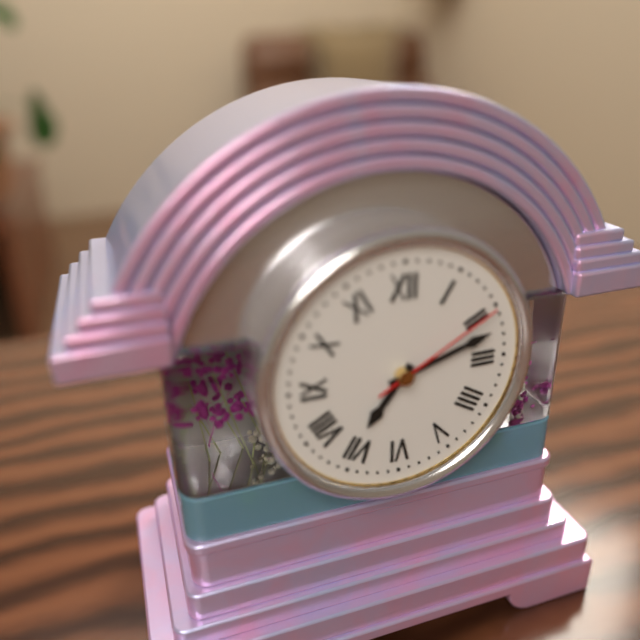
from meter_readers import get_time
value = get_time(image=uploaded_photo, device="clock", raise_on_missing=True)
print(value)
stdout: 7:12:10
